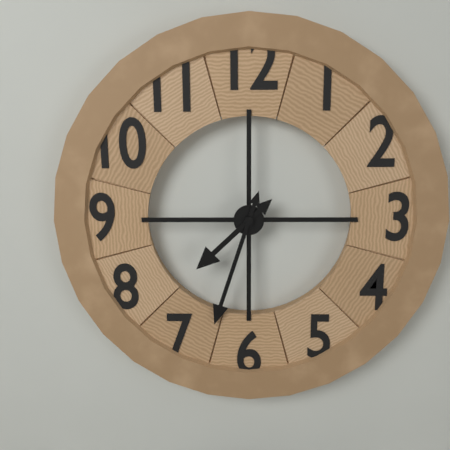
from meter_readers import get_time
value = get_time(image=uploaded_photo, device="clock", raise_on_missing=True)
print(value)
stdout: 7:33
